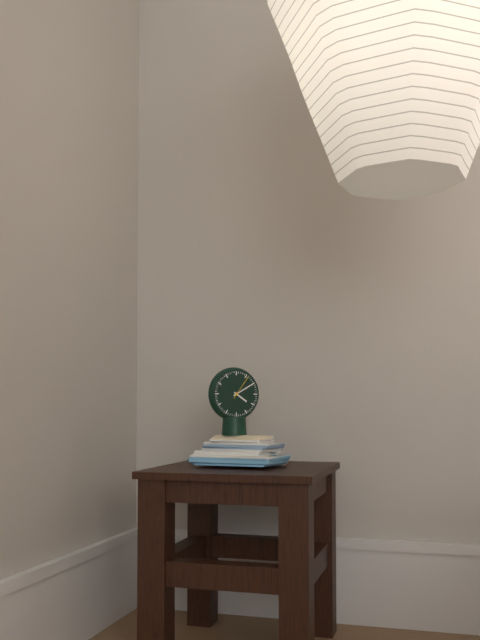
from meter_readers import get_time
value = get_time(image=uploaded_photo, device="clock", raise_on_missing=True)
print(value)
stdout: 4:10
